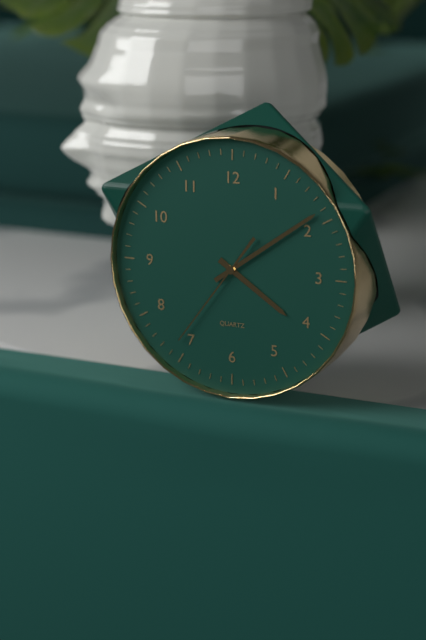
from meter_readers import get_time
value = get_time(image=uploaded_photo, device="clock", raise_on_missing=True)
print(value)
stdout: 4:09:36
